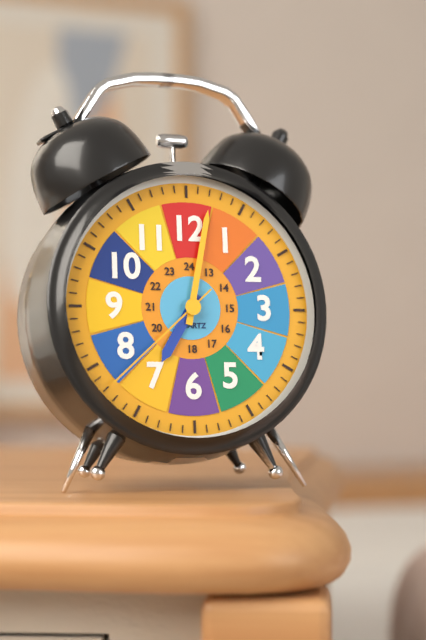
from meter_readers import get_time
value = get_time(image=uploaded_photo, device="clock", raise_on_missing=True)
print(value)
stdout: 7:02:38
